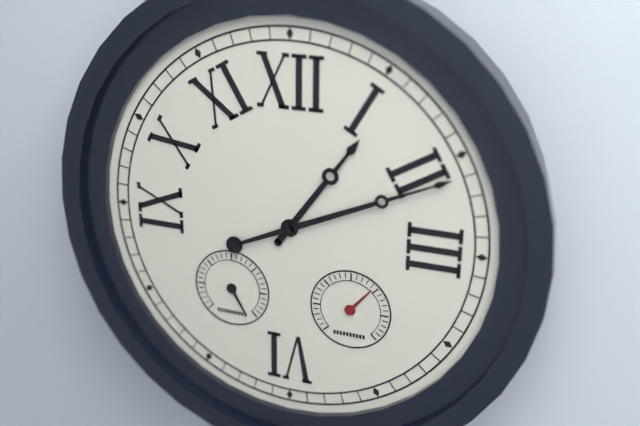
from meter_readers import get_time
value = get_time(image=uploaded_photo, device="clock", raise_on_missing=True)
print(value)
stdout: 1:11
